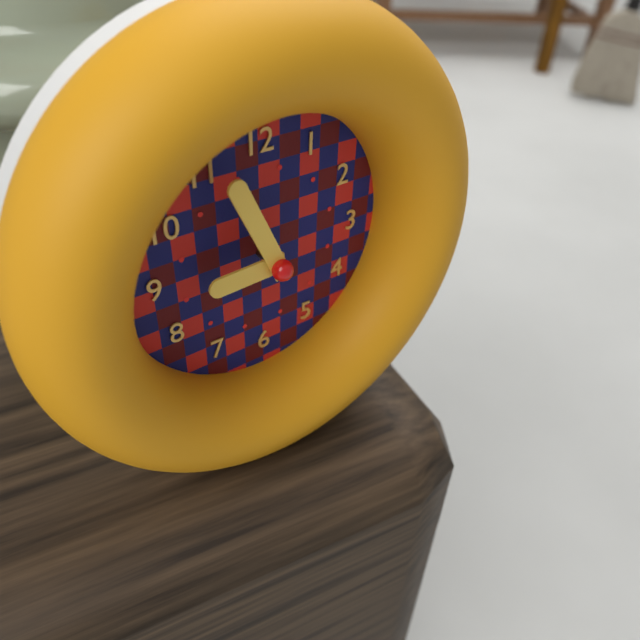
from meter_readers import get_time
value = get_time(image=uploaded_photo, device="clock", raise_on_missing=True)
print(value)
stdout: 8:56
